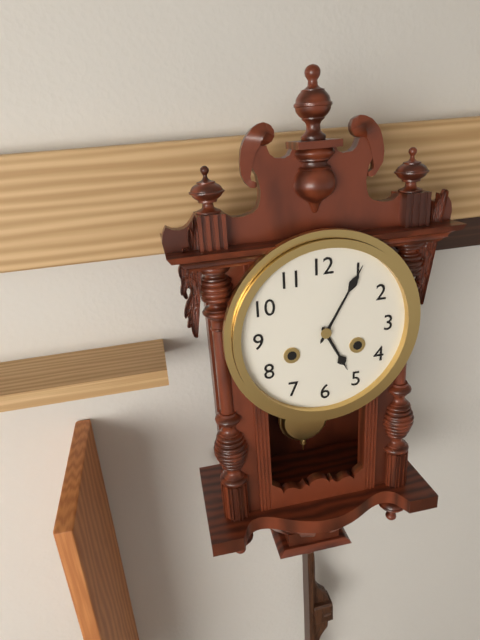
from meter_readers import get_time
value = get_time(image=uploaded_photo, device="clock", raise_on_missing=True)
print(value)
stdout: 5:05
